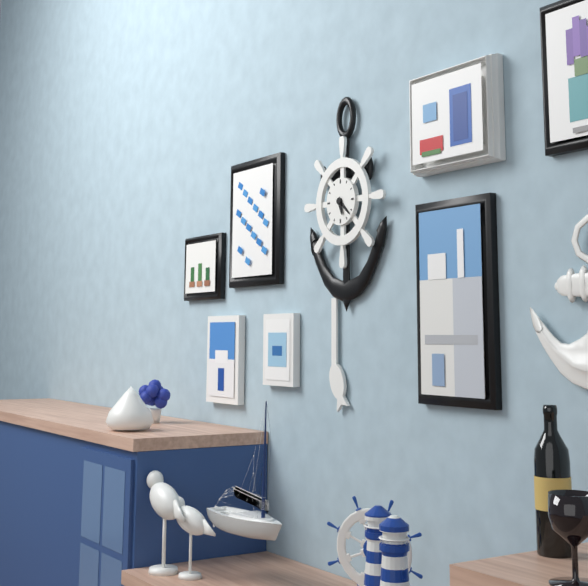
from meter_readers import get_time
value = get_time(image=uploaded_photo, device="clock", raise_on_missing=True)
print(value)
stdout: 5:22
